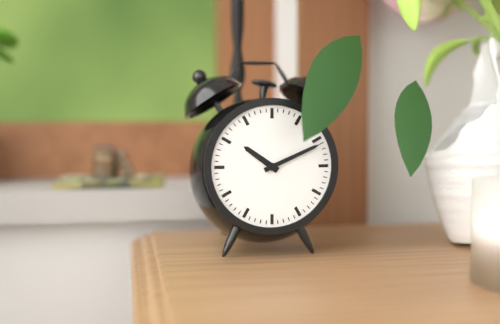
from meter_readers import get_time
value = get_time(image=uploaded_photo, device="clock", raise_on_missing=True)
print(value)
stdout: 10:11
